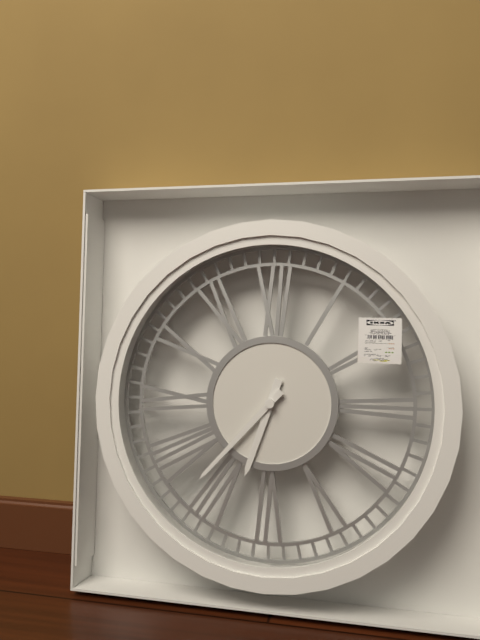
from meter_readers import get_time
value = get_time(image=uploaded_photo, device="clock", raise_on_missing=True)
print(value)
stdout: 6:37
